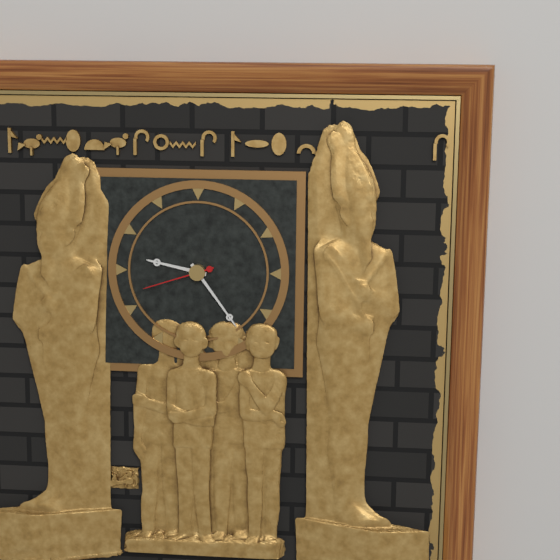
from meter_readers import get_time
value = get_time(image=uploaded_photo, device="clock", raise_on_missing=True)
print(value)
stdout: 9:24:42
